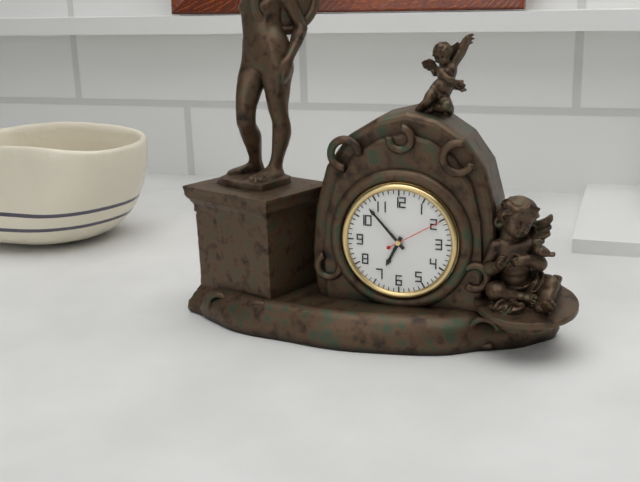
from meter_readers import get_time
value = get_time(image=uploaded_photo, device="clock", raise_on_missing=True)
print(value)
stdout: 6:53:10
